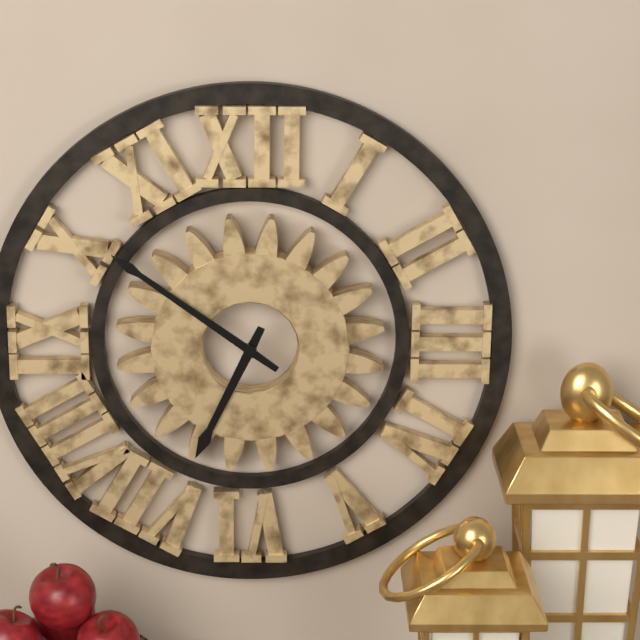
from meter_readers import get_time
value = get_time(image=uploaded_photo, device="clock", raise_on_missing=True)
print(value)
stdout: 6:51
